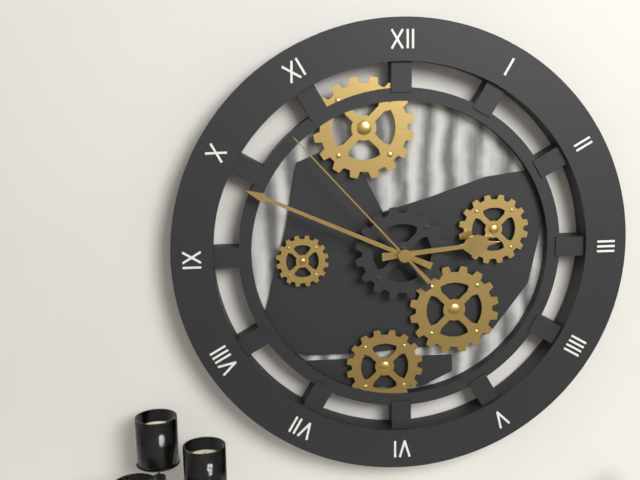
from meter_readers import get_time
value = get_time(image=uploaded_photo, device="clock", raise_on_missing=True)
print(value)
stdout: 2:49:53
